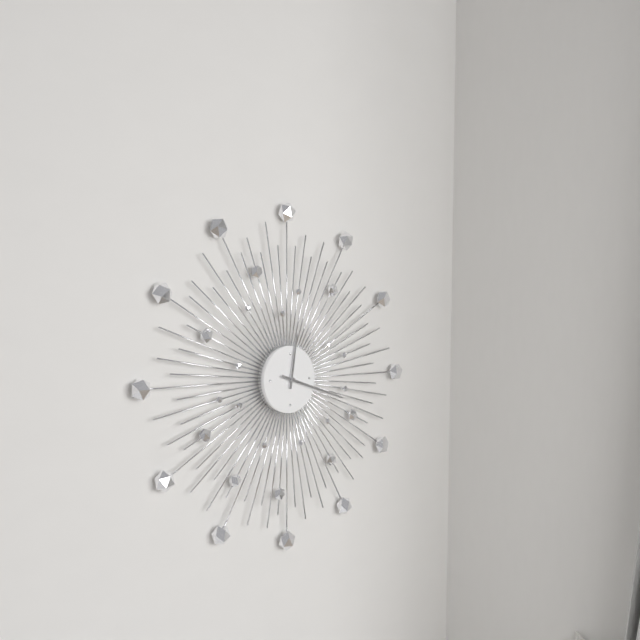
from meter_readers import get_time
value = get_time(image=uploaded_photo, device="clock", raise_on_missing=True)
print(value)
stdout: 12:18
